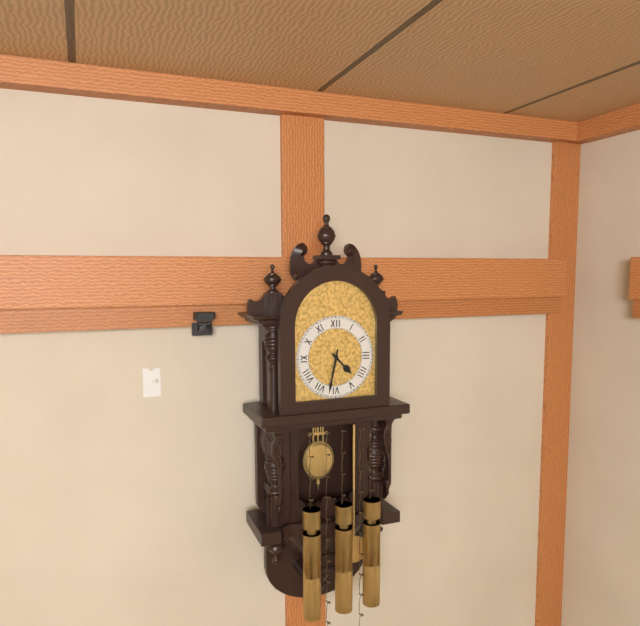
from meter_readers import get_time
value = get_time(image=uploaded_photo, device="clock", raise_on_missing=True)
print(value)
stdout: 4:32
